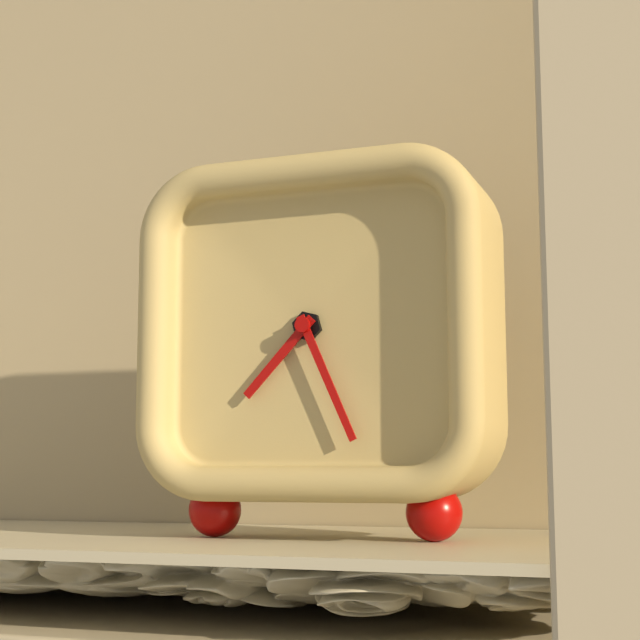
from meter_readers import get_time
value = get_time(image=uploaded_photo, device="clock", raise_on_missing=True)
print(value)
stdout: 7:26
